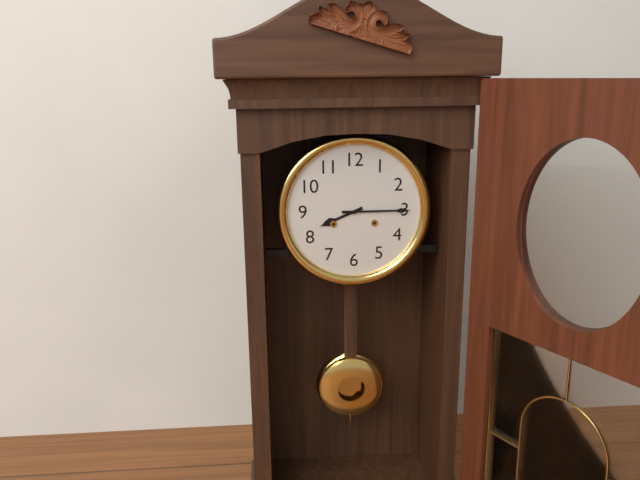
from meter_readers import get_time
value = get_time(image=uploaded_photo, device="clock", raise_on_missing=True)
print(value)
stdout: 8:15
